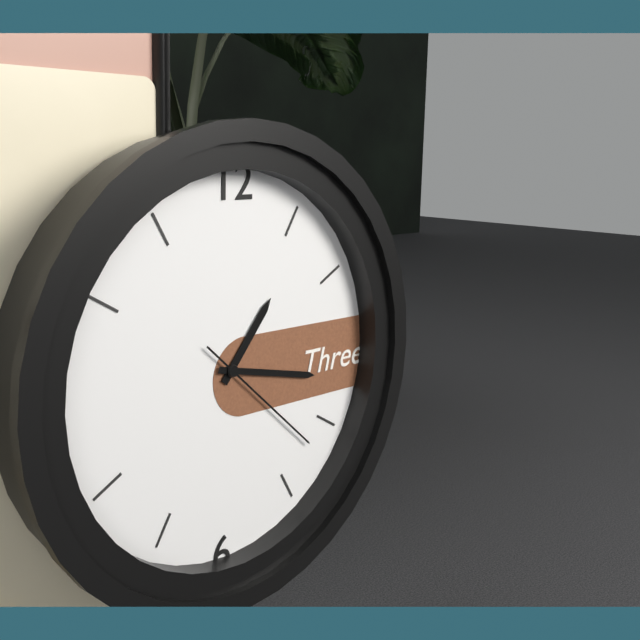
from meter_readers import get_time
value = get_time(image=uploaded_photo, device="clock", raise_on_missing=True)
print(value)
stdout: 1:17:22
